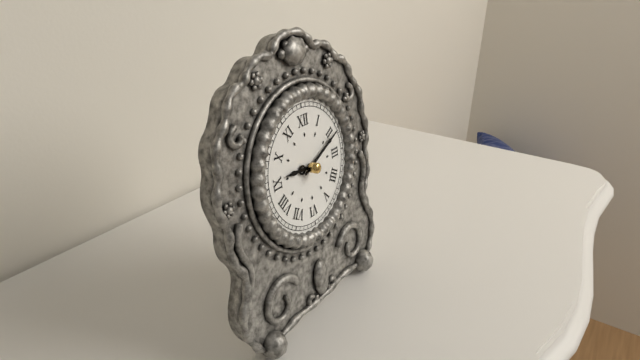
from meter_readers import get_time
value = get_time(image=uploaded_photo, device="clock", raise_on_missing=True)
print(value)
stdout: 9:11
